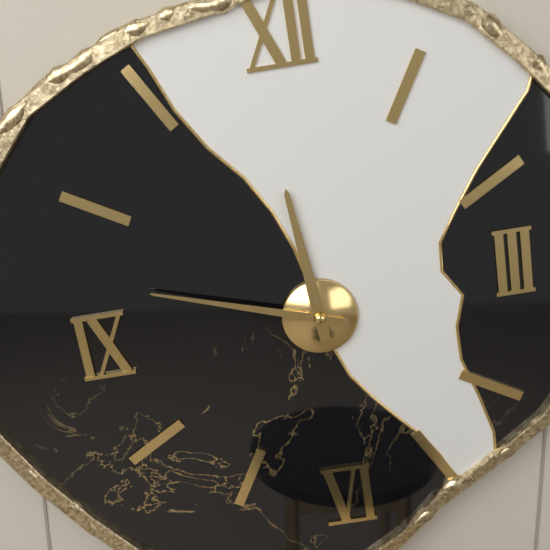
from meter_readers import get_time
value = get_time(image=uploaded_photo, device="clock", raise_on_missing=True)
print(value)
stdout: 11:48
